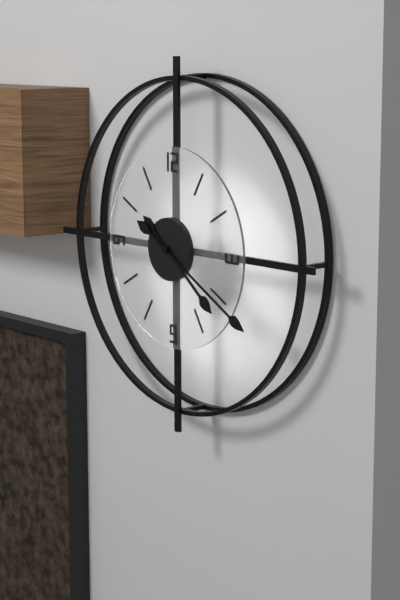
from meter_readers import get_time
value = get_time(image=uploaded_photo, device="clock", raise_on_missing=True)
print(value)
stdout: 4:20
